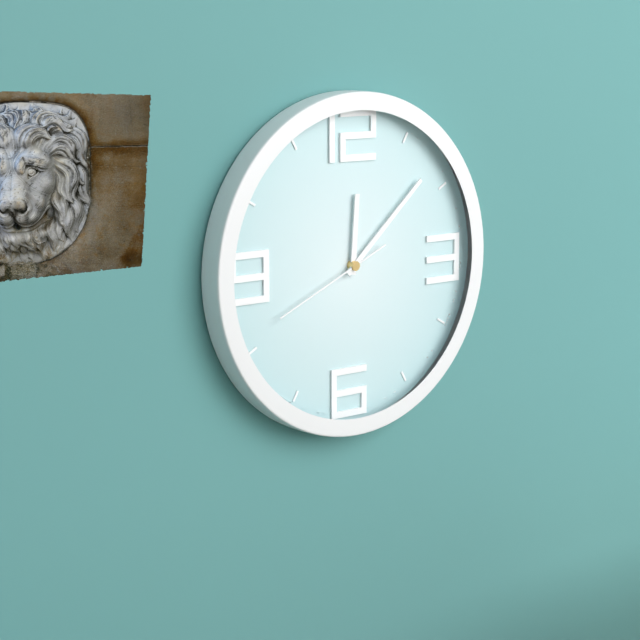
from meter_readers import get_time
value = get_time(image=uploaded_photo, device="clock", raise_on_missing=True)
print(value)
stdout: 12:08:41
